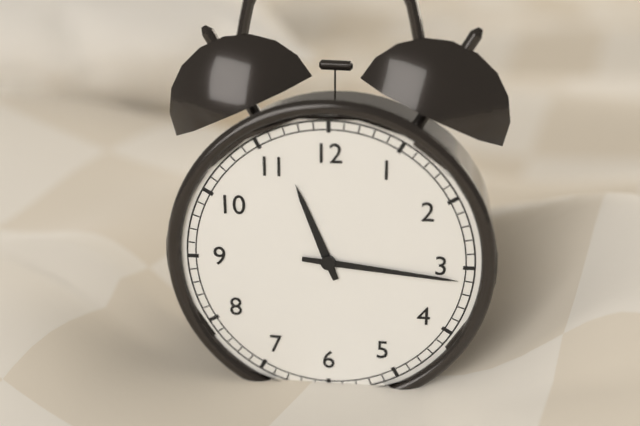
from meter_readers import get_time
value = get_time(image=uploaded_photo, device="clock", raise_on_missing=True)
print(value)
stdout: 11:16
